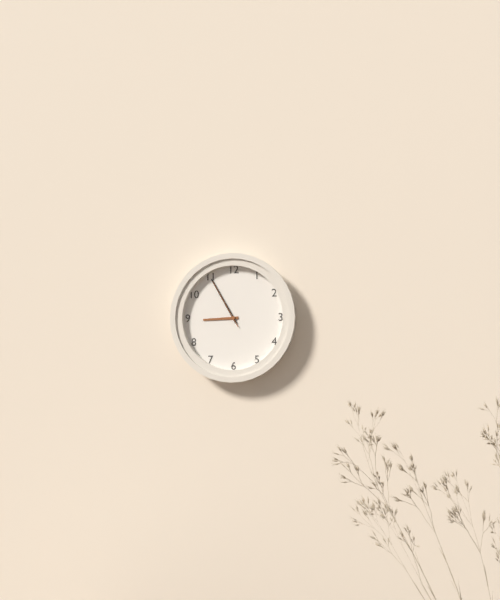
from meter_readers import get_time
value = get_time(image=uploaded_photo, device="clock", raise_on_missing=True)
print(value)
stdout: 8:55:55
